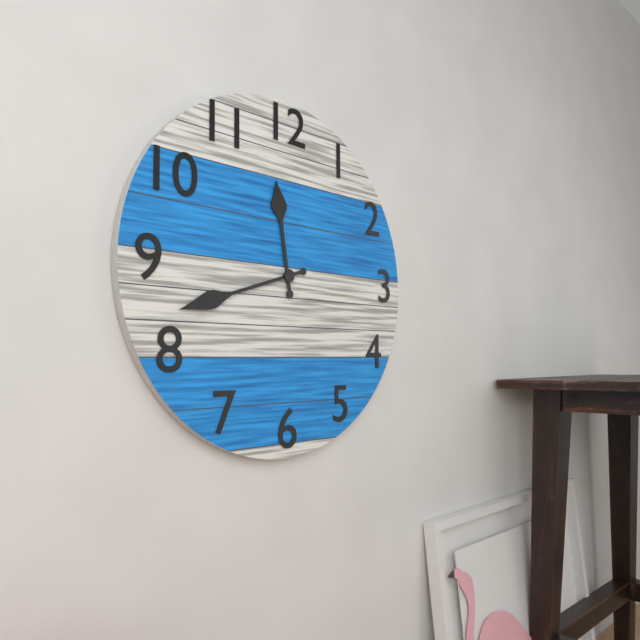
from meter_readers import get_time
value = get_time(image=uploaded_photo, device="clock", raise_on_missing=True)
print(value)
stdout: 11:42
